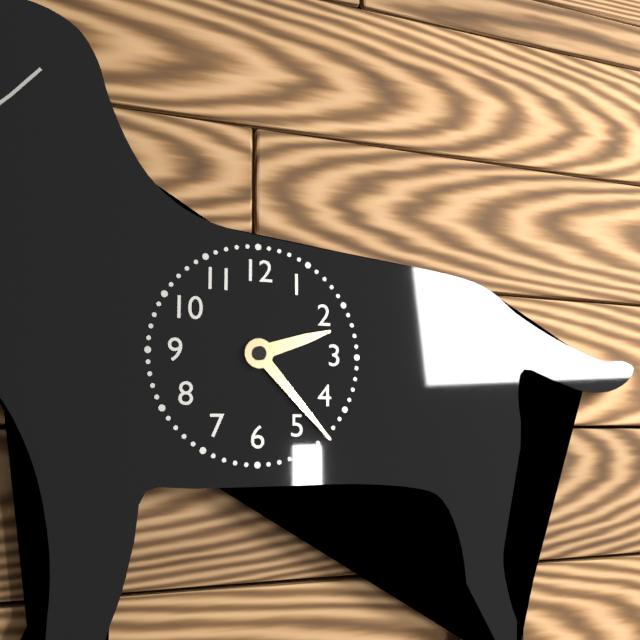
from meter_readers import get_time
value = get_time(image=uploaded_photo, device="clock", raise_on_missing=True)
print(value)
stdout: 2:23
